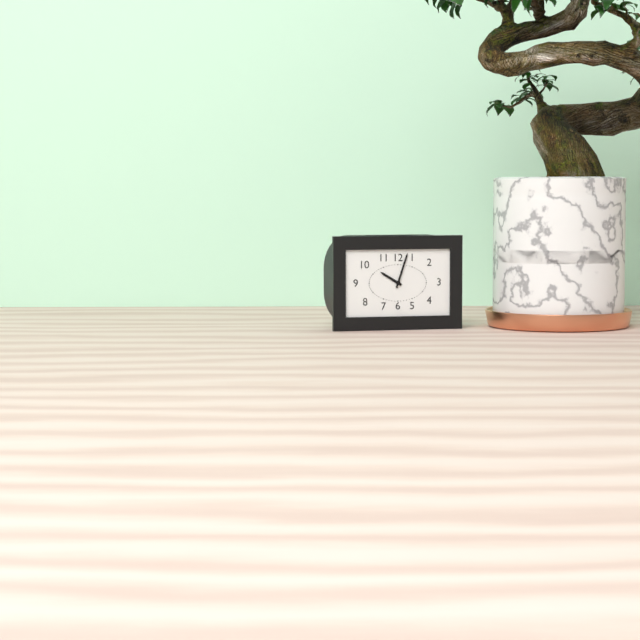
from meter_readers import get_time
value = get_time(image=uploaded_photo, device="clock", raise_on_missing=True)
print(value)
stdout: 10:03
